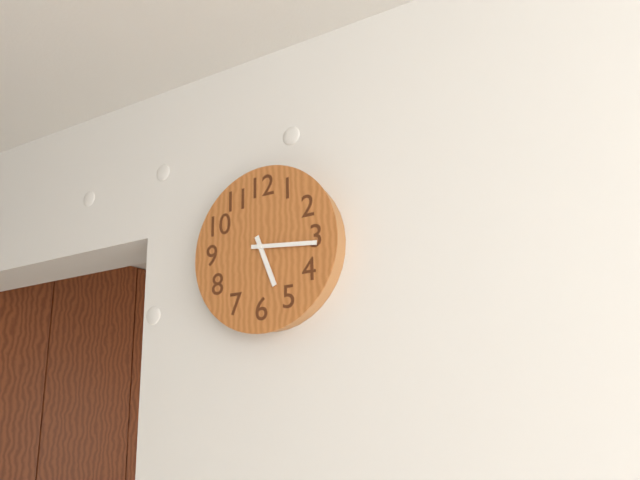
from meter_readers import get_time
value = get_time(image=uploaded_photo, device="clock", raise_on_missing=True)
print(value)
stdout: 5:16
